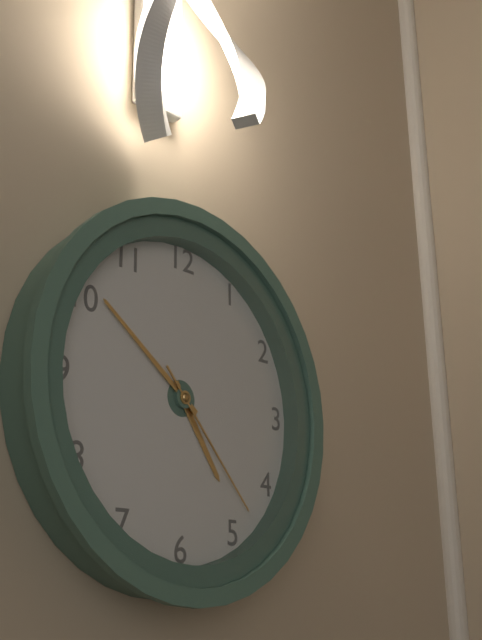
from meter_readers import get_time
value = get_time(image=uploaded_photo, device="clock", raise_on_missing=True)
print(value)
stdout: 4:51:23
